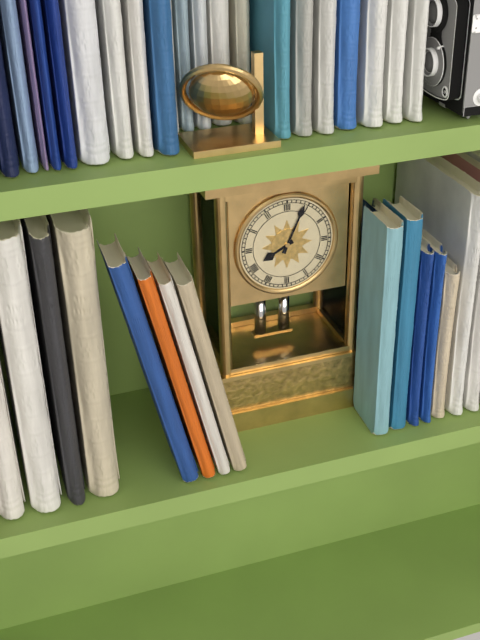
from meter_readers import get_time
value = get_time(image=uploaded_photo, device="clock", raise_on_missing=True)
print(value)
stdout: 8:04
